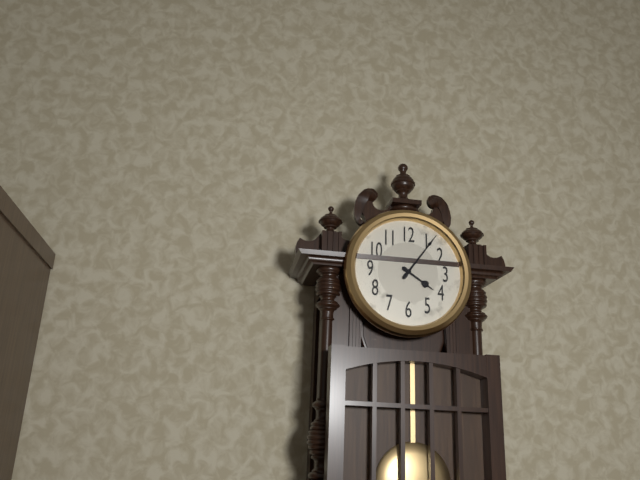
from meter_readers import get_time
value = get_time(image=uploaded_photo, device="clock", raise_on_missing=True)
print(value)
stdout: 4:06
